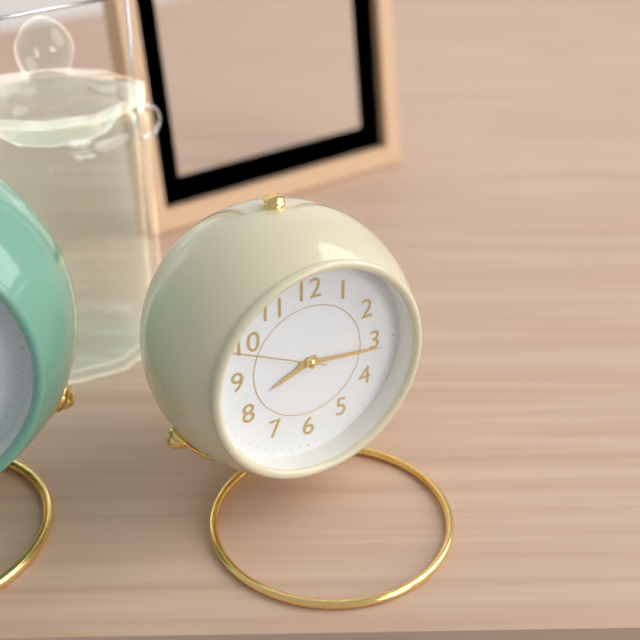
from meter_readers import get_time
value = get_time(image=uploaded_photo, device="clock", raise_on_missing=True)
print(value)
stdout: 8:16:49
